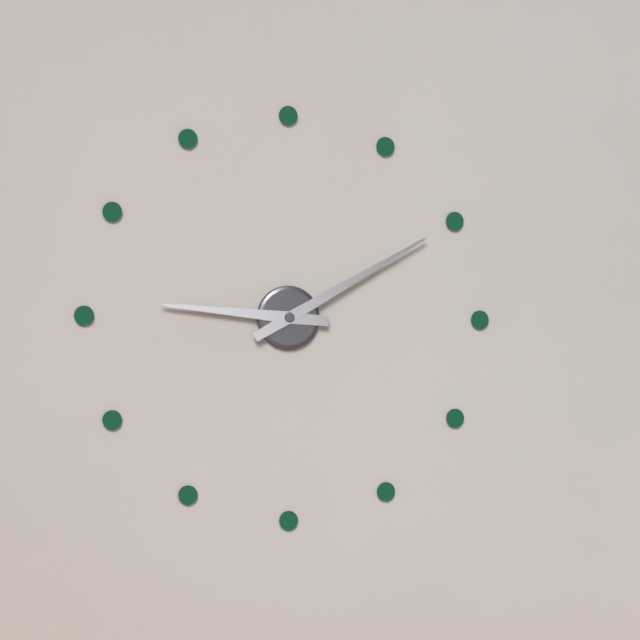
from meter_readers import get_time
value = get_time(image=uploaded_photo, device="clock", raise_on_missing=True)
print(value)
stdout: 9:10
